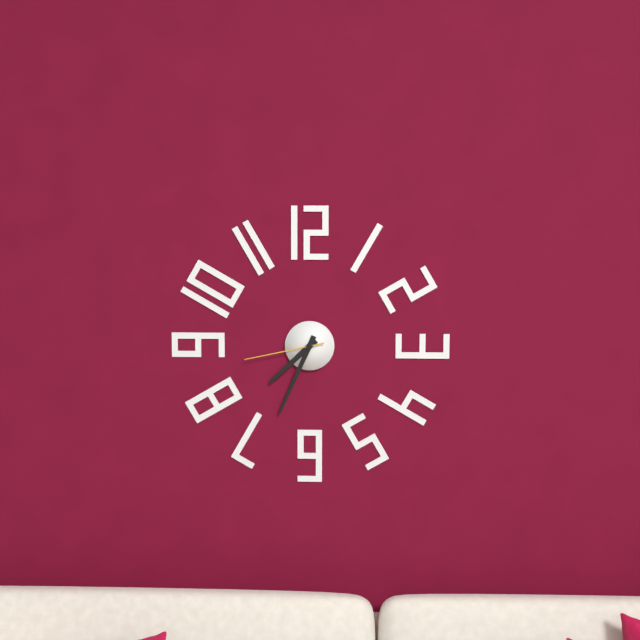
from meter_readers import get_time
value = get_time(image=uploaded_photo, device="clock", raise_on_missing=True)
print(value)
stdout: 7:34:43
